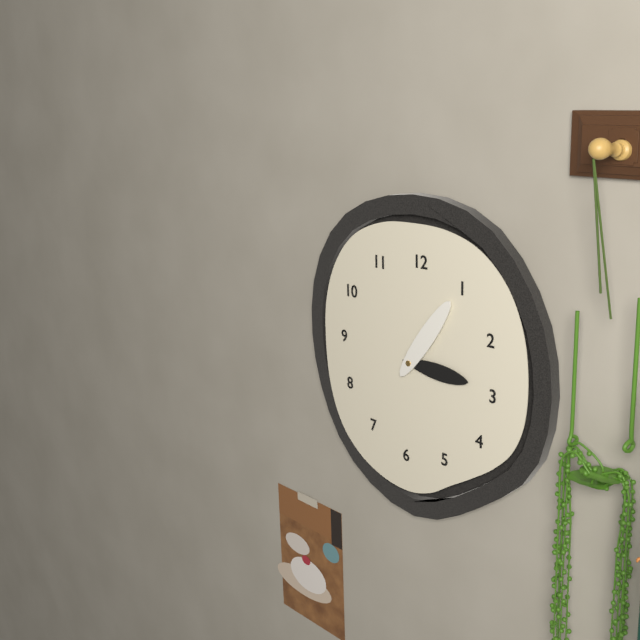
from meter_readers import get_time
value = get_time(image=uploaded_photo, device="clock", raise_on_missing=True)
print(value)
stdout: 3:06
